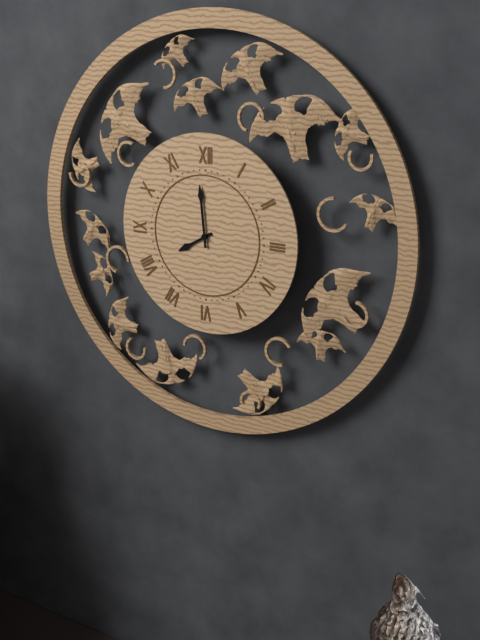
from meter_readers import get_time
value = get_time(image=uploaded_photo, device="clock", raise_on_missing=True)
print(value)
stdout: 7:59
